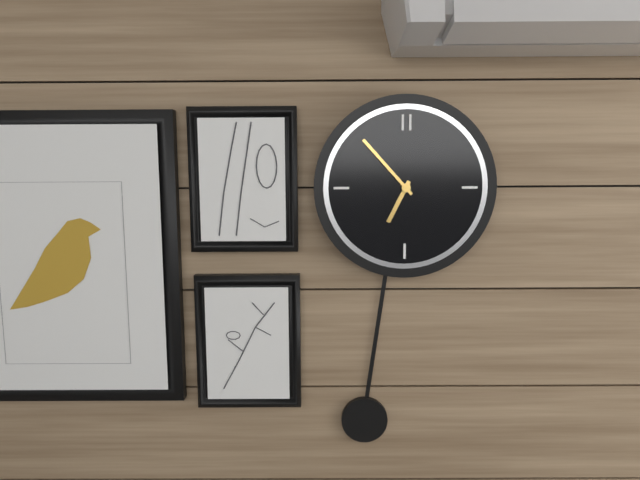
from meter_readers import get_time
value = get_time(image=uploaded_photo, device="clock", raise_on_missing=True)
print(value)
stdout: 6:53
